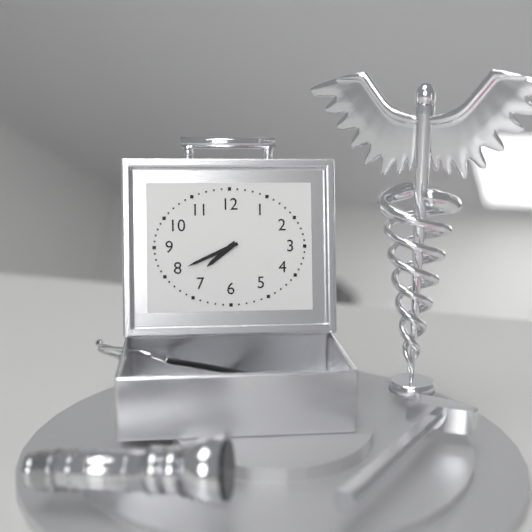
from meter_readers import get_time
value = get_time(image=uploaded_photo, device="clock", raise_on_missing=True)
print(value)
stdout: 7:41
